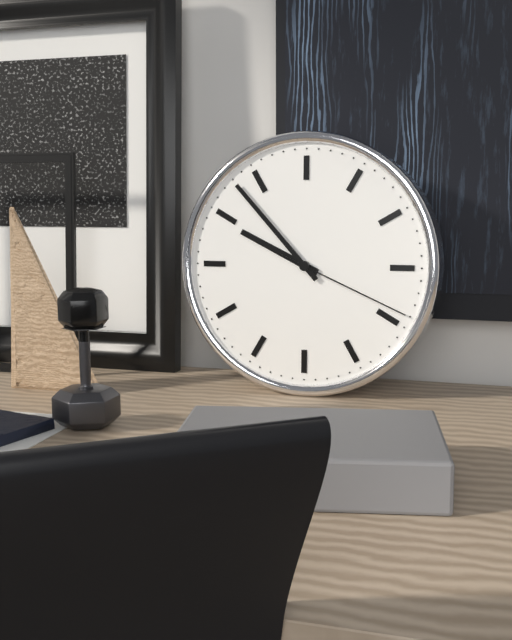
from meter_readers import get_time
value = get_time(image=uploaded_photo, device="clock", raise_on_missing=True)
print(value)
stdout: 9:53:19
